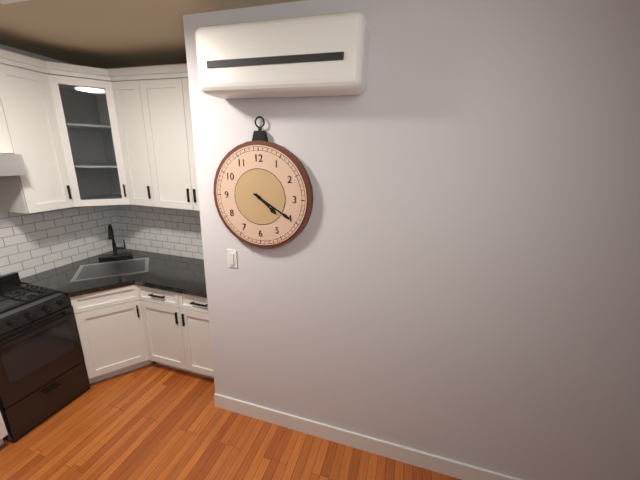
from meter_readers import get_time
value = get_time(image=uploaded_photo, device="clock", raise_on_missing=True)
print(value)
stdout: 4:20
